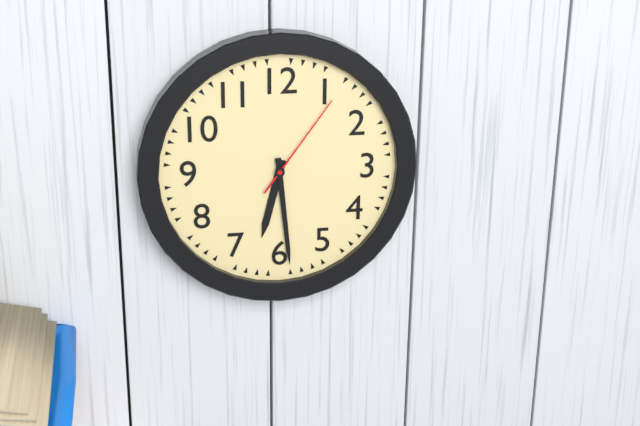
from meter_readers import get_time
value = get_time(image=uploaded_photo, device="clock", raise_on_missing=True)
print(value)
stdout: 6:29:06
